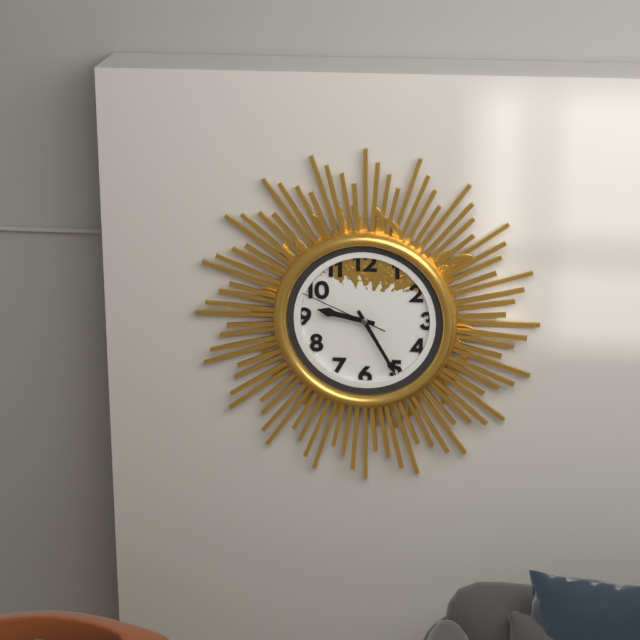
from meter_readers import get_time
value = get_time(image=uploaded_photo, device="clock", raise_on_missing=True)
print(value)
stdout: 9:25:49
